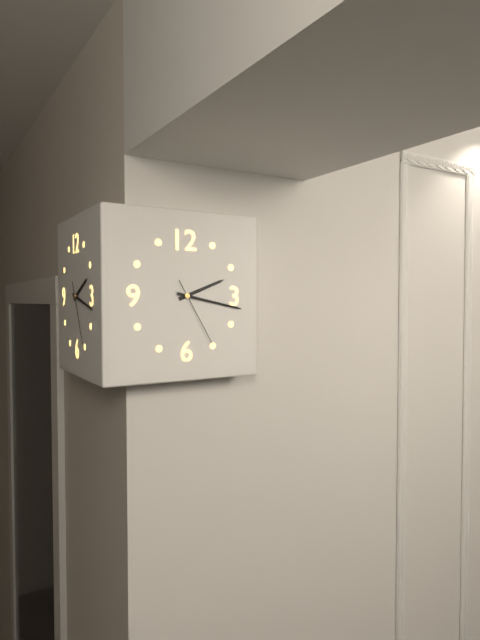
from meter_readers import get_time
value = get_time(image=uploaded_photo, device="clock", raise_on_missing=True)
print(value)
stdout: 2:17:25
